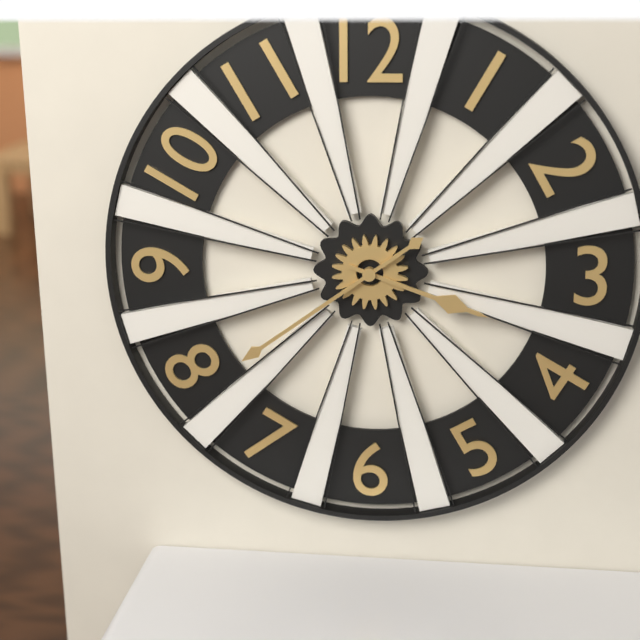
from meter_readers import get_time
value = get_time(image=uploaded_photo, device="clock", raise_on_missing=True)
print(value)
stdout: 3:39
